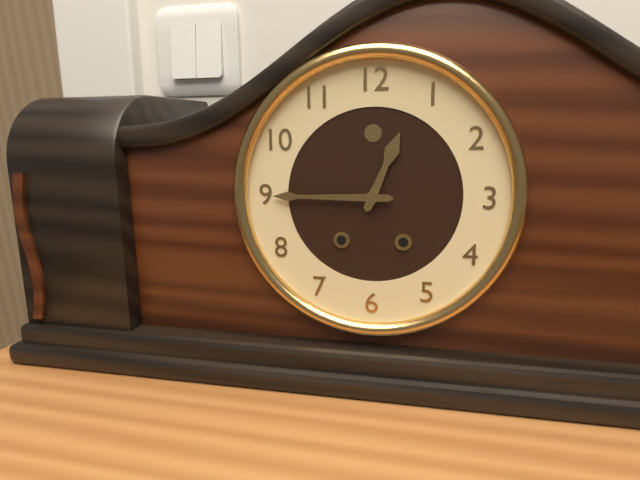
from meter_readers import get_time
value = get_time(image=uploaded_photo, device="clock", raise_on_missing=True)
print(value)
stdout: 12:45
